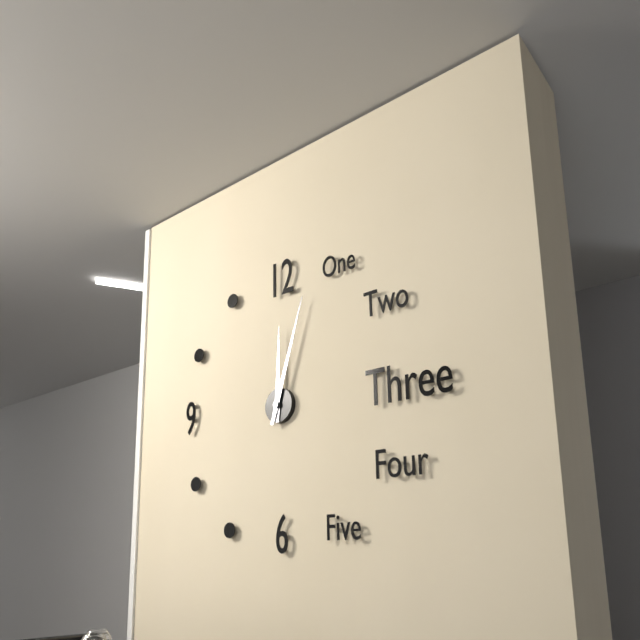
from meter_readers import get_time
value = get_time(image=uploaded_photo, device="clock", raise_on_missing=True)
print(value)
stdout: 12:03
